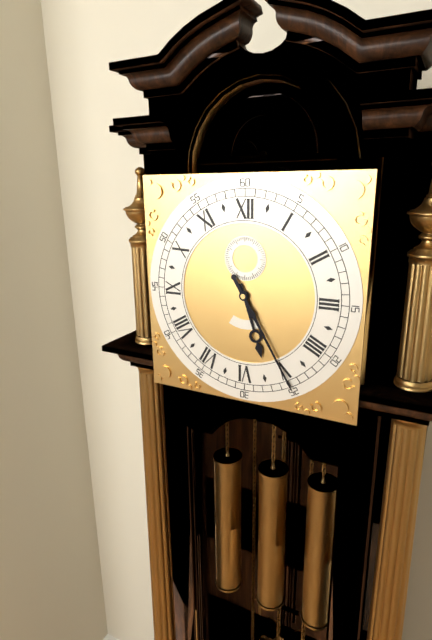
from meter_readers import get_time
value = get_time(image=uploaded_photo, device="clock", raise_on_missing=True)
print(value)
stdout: 5:25
